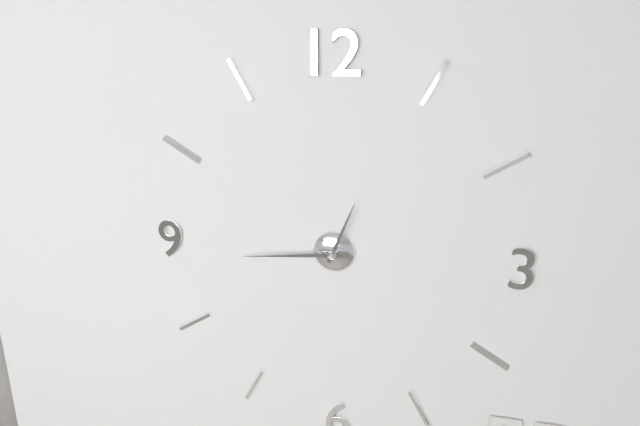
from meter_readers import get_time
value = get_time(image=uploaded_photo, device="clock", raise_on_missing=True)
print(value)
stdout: 12:44
